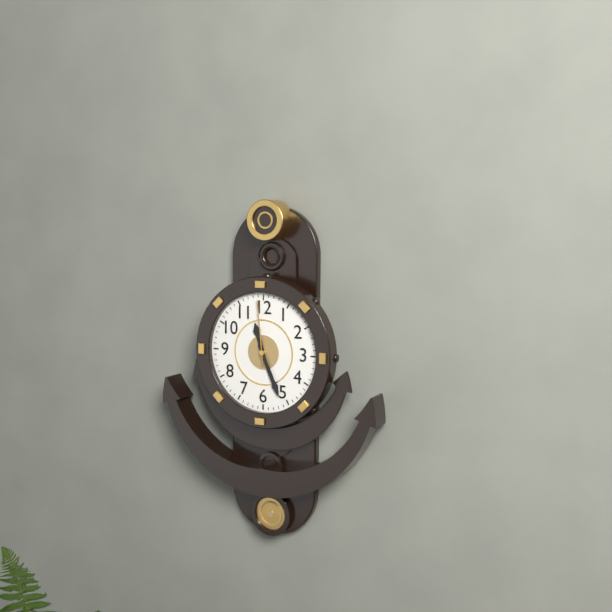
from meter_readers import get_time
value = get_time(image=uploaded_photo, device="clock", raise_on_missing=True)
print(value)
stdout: 11:26:59
